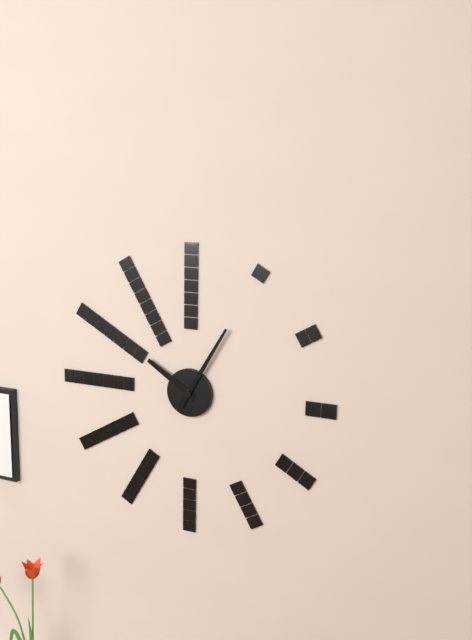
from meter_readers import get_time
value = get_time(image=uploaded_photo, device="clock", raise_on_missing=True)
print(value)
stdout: 10:05
